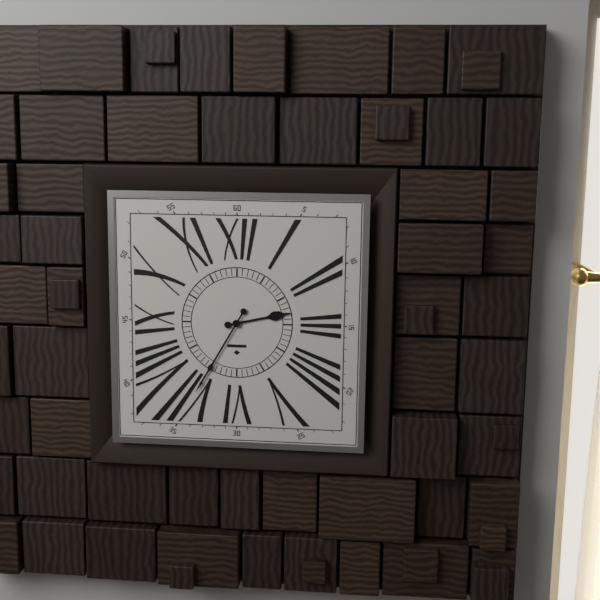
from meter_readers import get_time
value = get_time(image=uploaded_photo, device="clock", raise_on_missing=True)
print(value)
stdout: 2:35
